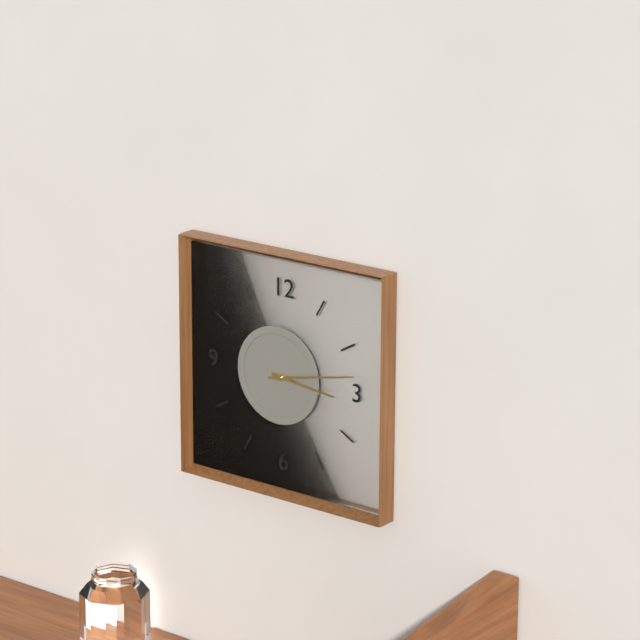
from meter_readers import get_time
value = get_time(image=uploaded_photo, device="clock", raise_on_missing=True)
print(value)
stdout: 3:13
